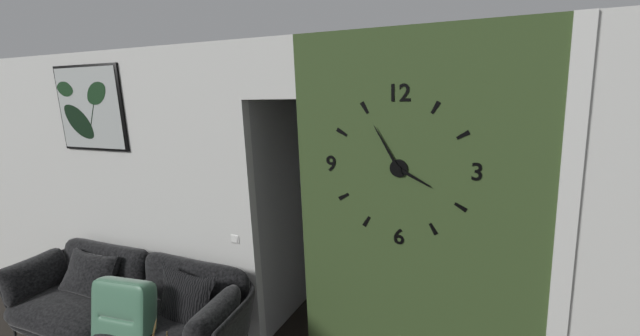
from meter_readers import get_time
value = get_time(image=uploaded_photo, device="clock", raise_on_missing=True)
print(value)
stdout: 3:55
